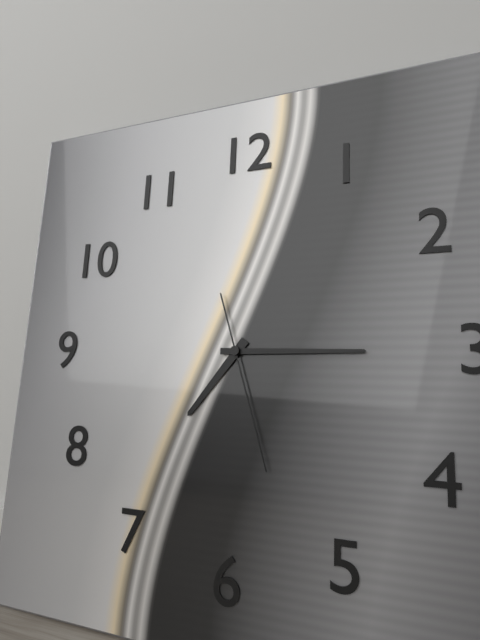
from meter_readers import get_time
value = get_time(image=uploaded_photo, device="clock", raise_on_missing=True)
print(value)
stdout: 7:15:27
